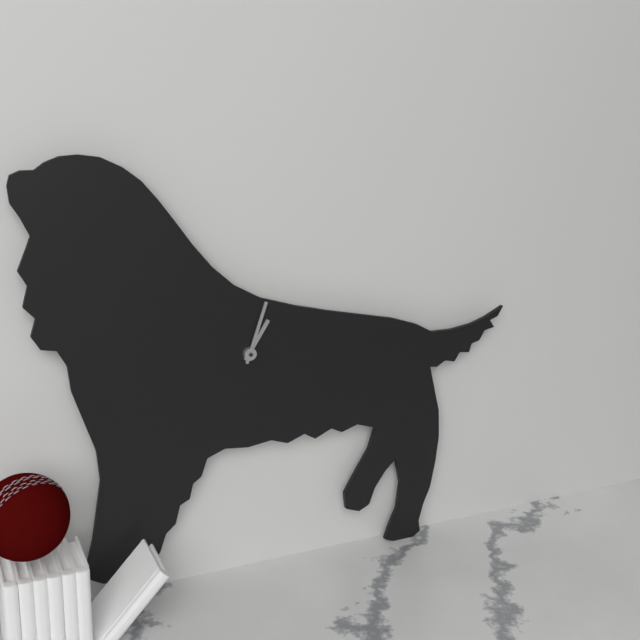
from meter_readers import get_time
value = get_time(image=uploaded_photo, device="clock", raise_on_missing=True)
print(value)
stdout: 1:03
